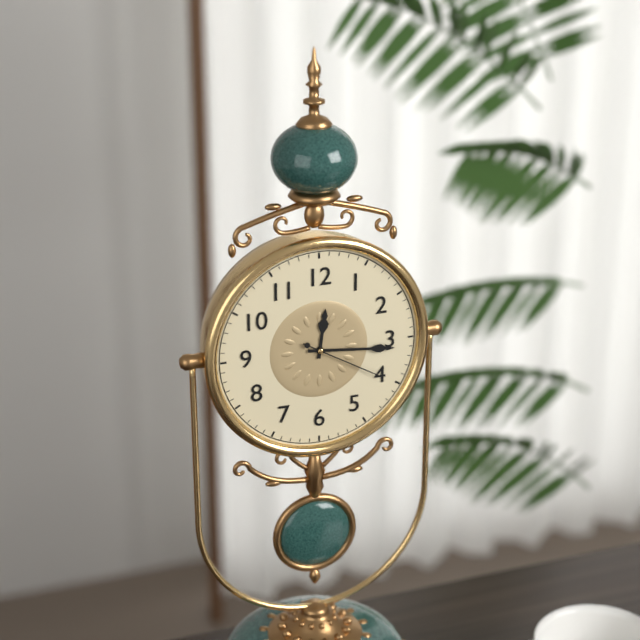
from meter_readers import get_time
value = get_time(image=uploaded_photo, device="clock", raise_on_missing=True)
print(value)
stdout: 12:16:20
